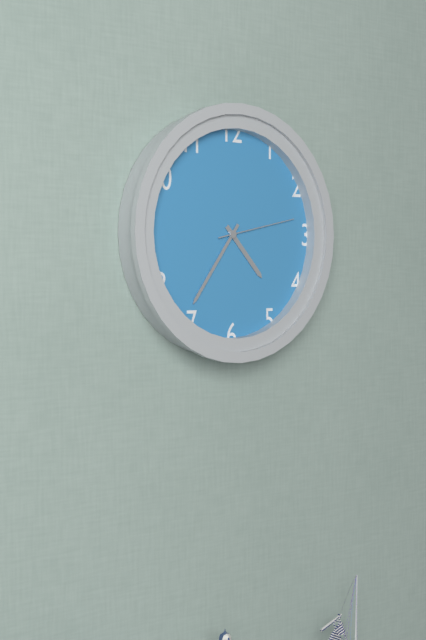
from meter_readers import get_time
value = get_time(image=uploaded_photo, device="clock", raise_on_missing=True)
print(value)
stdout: 4:36:13
